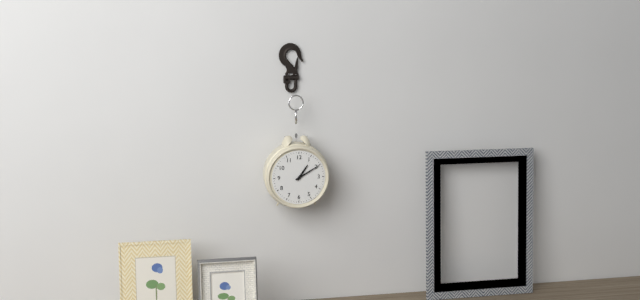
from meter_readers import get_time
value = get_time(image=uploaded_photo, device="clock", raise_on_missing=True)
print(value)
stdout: 1:10
